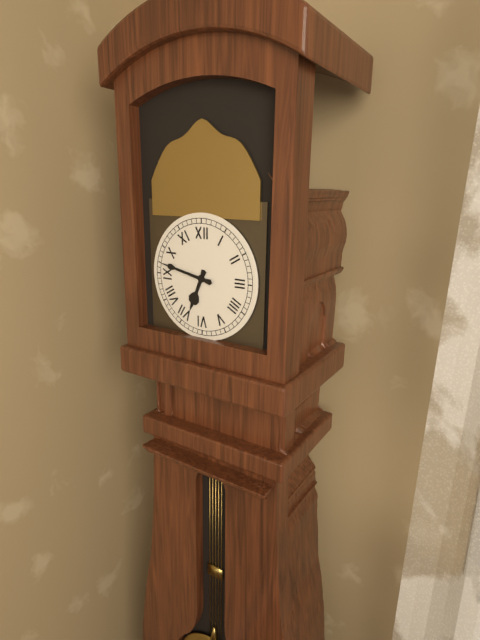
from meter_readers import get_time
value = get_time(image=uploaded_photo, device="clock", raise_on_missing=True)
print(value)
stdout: 6:47
